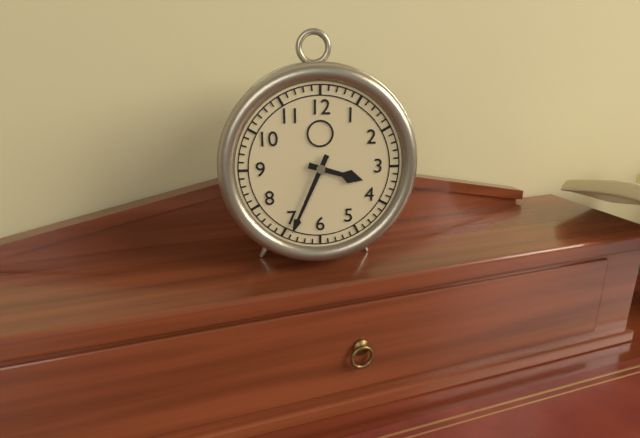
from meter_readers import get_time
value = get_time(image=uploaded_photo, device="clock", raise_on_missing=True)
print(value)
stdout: 3:34
